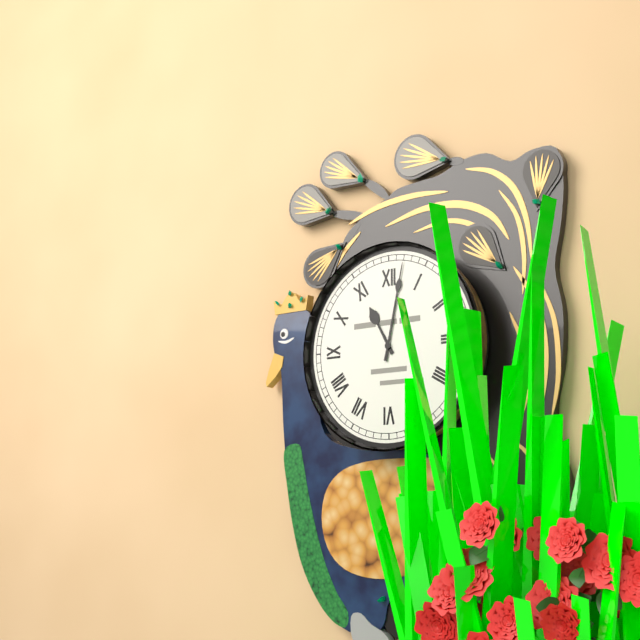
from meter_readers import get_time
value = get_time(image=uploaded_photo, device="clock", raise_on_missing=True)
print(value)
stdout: 11:02
